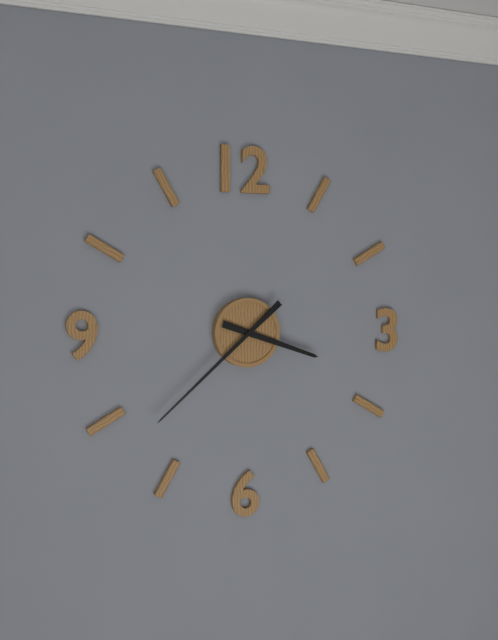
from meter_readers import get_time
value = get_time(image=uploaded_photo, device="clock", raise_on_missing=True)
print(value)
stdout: 3:38
